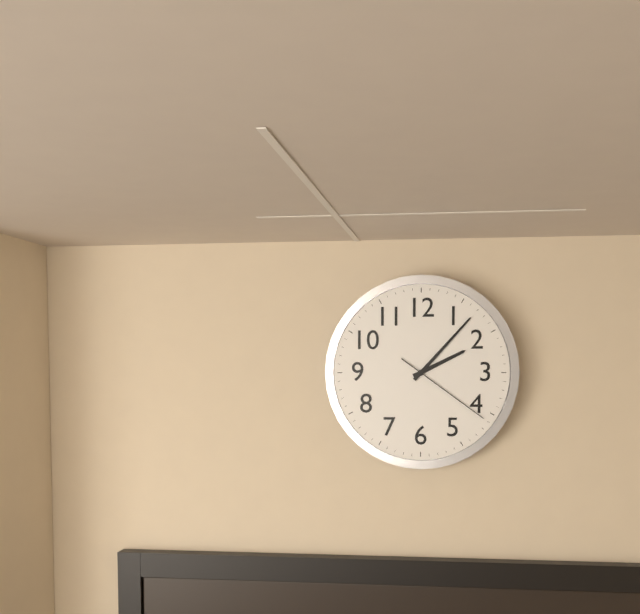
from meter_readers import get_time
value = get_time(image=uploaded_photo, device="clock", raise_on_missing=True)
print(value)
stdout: 2:07:21
